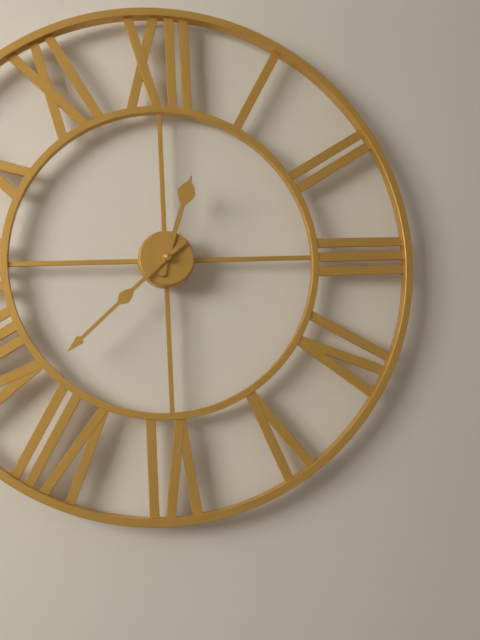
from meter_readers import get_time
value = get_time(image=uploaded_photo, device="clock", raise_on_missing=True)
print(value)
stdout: 12:38
